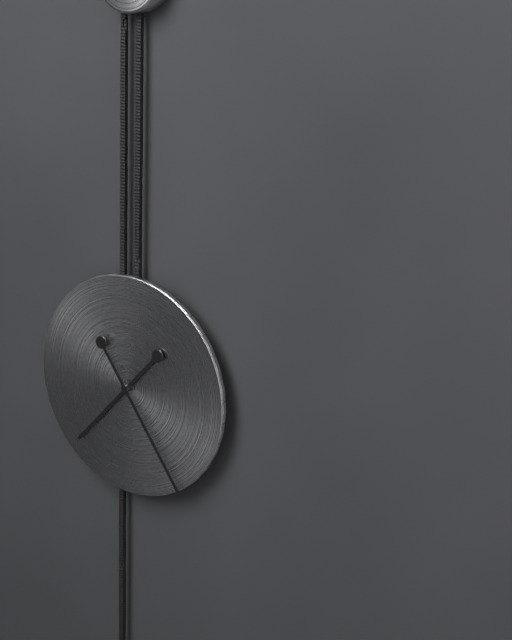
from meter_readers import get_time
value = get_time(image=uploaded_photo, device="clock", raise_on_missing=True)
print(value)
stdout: 7:24
